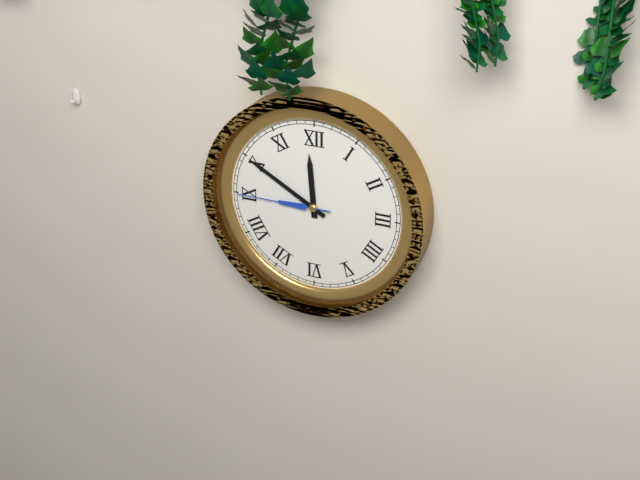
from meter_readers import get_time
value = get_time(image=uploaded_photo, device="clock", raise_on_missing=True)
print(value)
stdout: 11:50:45
